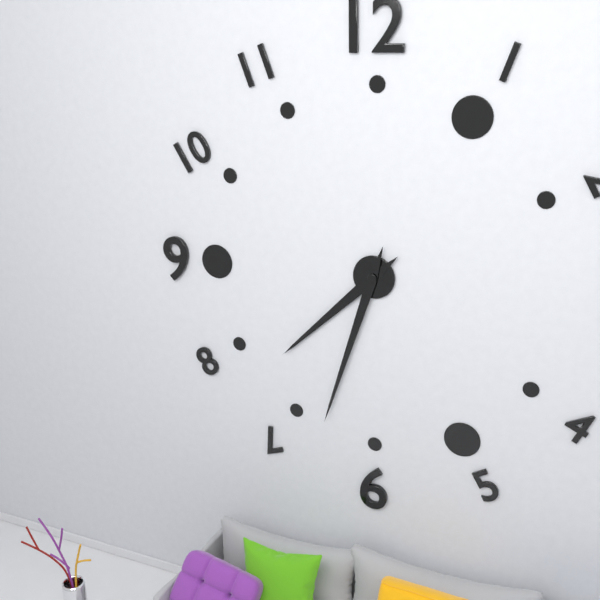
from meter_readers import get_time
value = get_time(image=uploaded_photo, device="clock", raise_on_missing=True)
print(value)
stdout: 7:33
